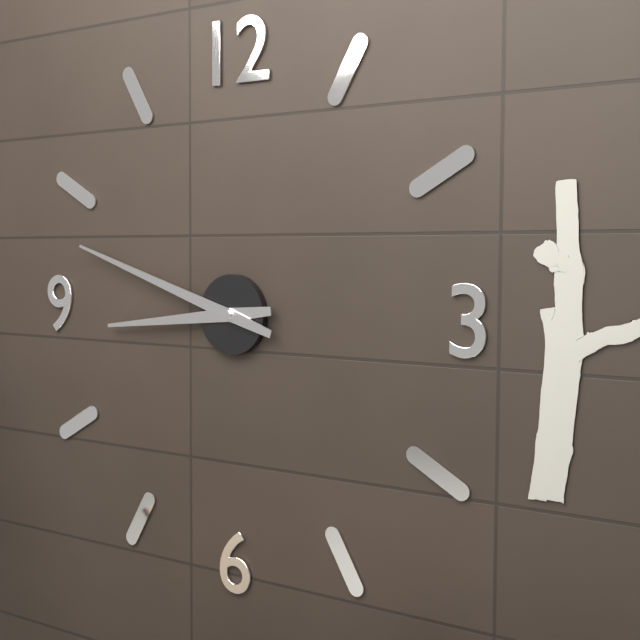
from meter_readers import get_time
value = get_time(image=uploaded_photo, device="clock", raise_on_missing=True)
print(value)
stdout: 8:48
